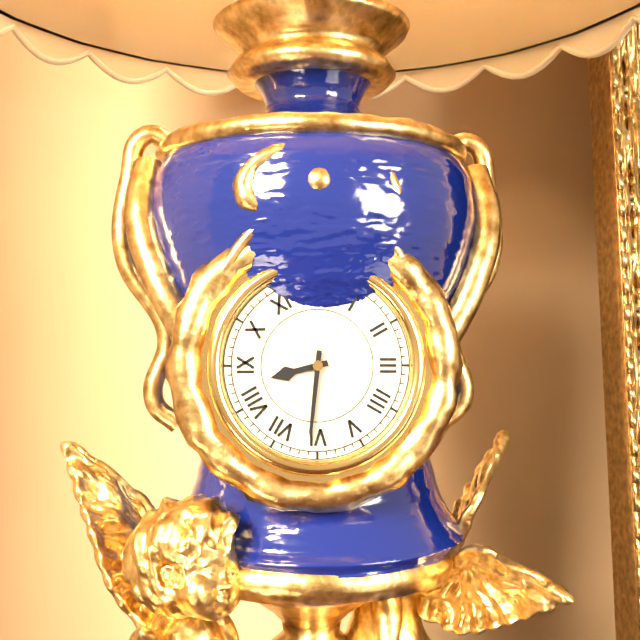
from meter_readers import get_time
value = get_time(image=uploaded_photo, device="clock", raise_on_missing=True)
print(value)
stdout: 8:31
